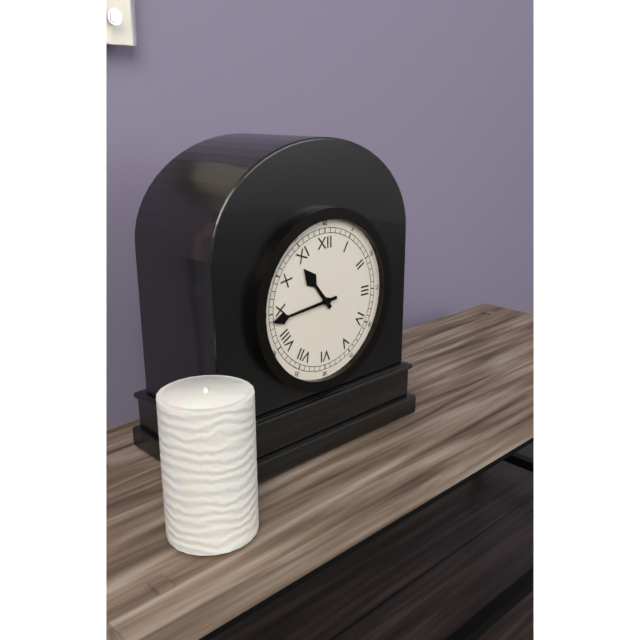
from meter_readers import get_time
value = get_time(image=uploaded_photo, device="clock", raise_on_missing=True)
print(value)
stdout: 10:44
